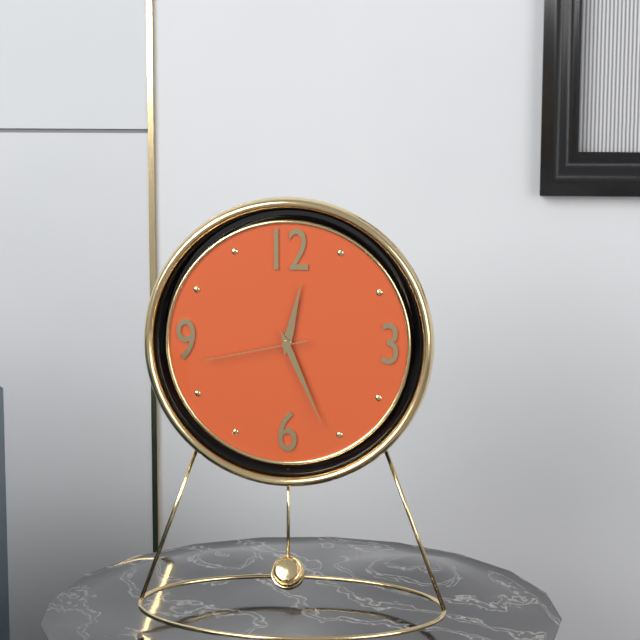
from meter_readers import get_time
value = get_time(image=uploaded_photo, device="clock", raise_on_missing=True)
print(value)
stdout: 12:26:43
